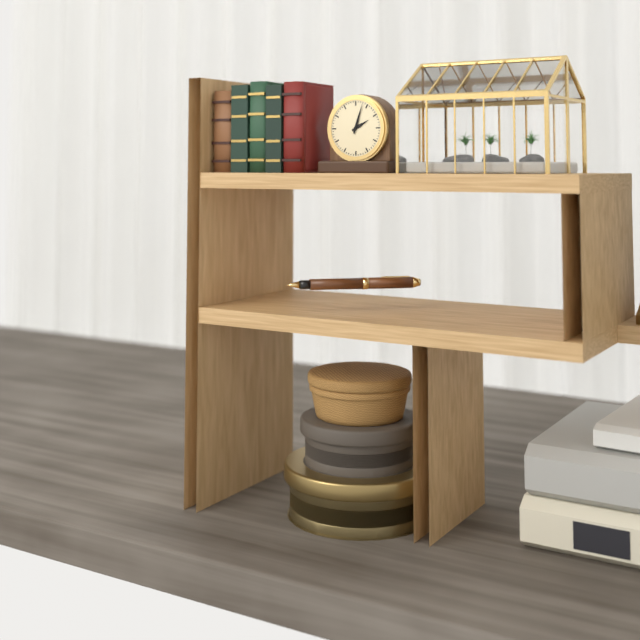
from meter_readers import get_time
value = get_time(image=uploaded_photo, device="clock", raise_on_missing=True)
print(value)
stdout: 2:03
